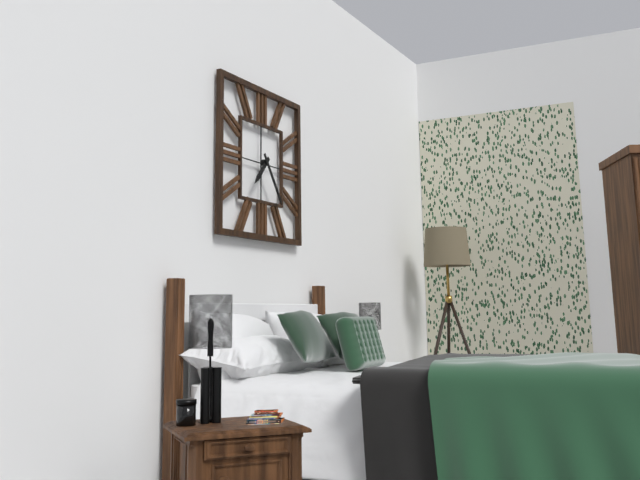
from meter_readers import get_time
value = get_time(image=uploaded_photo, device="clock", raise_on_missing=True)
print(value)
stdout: 7:24
